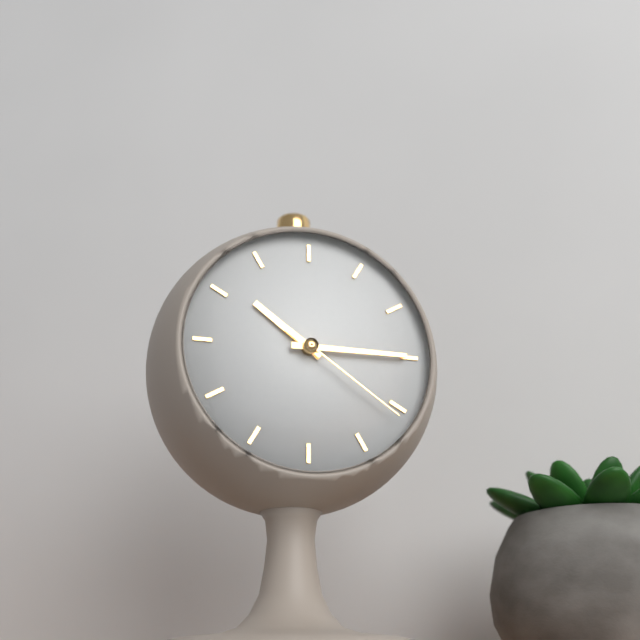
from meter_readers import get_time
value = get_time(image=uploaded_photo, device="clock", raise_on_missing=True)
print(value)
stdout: 10:15:21
